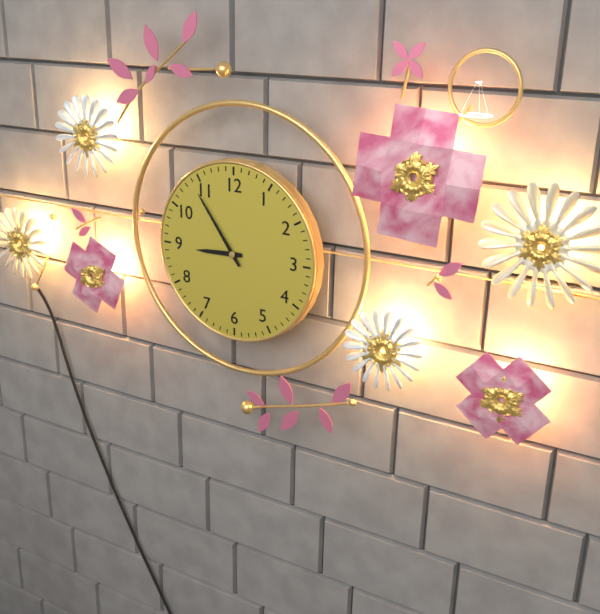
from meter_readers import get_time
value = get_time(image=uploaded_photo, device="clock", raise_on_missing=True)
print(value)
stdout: 8:54
